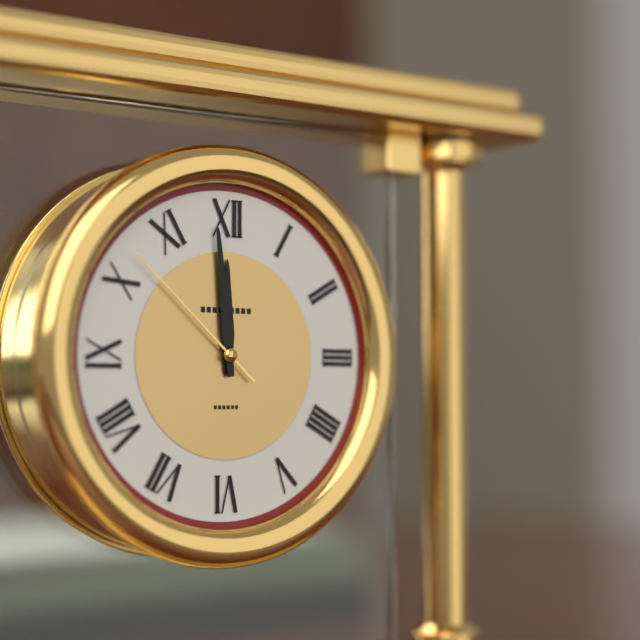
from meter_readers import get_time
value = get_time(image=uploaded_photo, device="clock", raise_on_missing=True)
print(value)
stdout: 11:59:52
